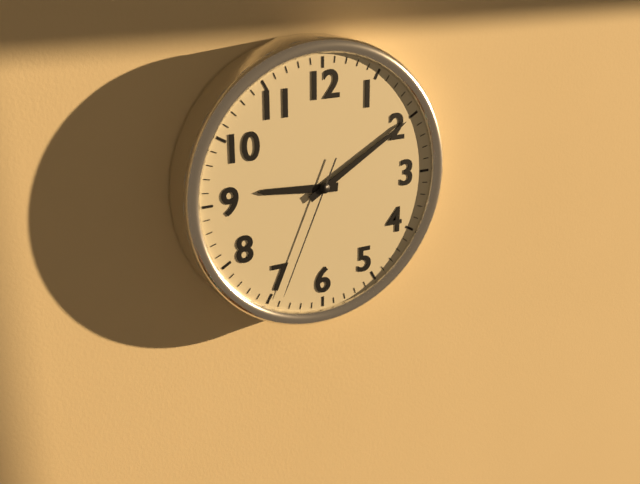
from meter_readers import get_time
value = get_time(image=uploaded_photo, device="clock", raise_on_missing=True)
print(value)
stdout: 9:10:34
